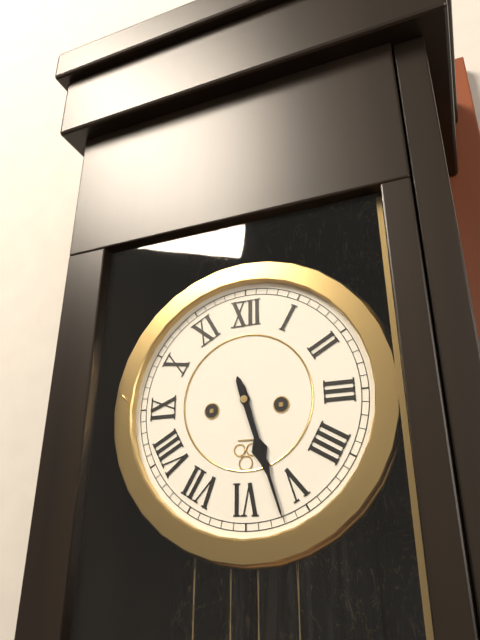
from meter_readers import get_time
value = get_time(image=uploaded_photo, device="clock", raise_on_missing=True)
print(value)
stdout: 5:27
